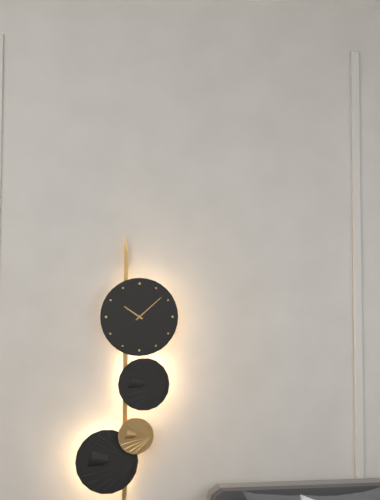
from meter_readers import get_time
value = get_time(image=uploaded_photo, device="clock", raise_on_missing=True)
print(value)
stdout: 10:08
